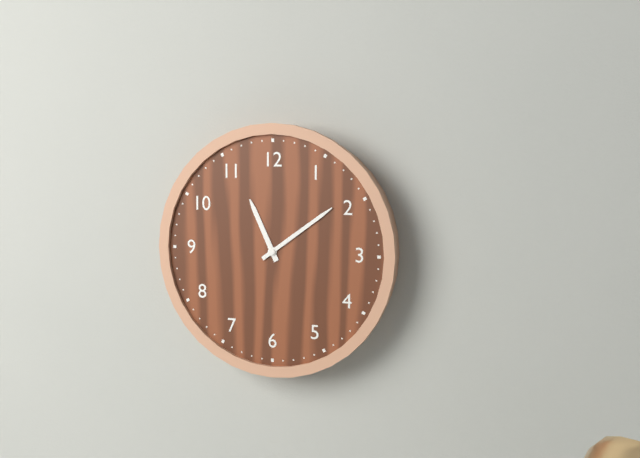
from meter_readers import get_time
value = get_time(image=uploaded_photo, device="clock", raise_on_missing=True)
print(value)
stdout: 11:09
